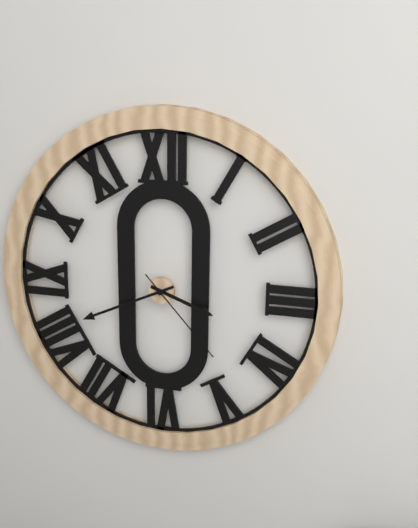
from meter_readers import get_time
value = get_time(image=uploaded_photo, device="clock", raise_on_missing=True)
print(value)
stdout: 3:41:23
